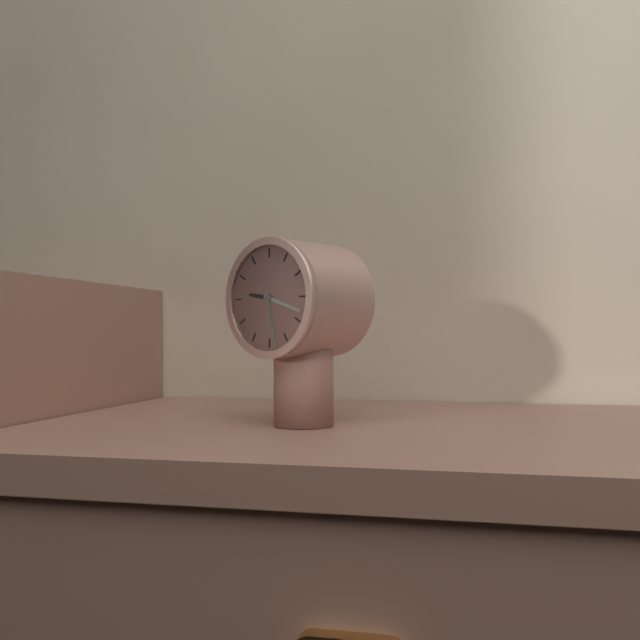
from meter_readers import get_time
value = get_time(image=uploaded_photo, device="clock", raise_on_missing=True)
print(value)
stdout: 9:18:28
